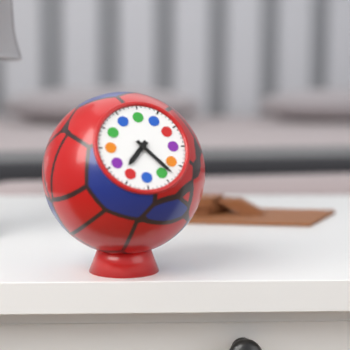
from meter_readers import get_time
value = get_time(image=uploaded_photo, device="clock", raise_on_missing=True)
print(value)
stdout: 7:23
